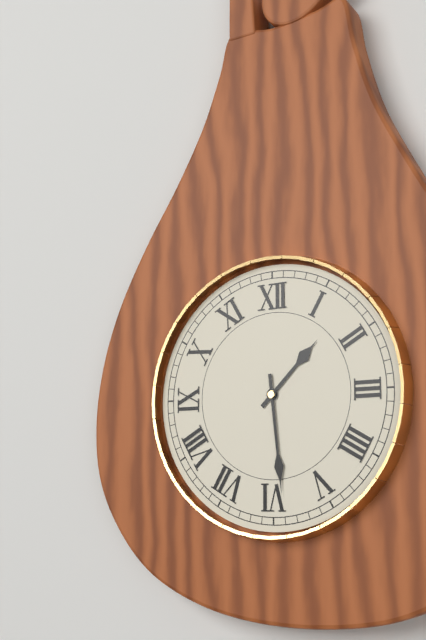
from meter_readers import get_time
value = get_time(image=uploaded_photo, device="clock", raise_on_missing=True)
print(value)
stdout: 1:29
